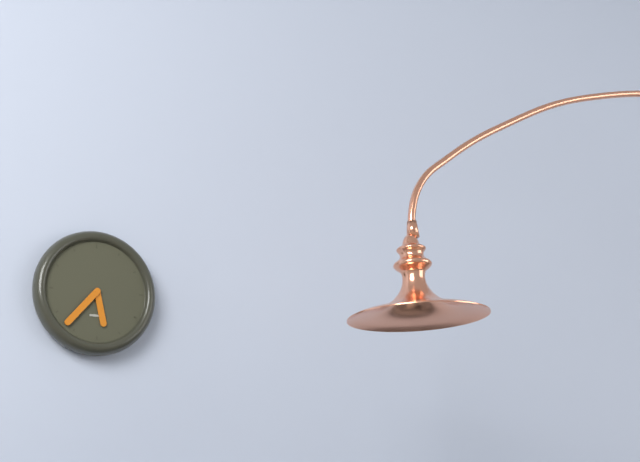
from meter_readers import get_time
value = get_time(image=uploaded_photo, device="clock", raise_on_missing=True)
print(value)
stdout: 5:37
